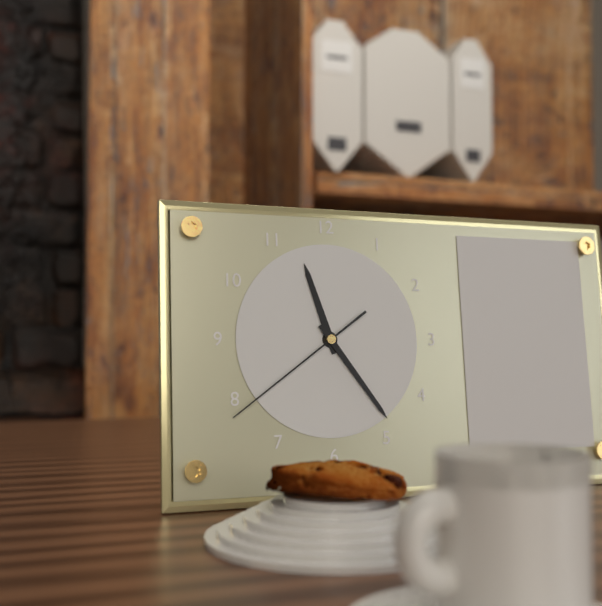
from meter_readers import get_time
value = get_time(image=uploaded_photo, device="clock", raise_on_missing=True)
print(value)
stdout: 11:24:39
